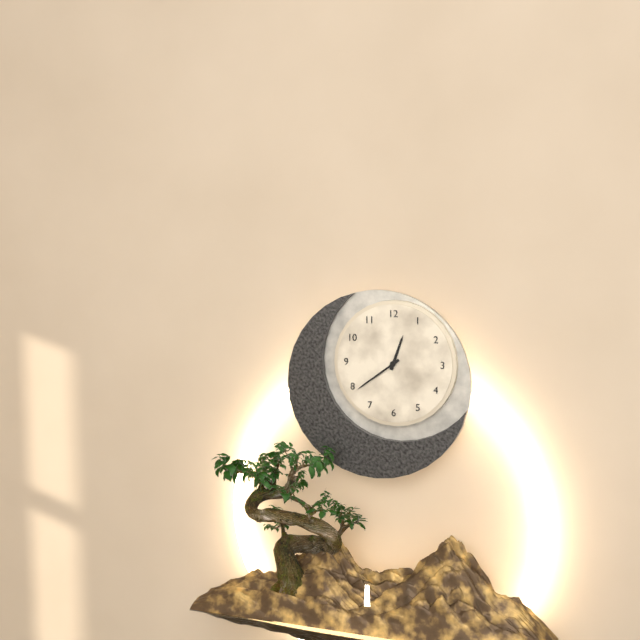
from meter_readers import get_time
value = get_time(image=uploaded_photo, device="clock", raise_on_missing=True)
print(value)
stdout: 12:39
